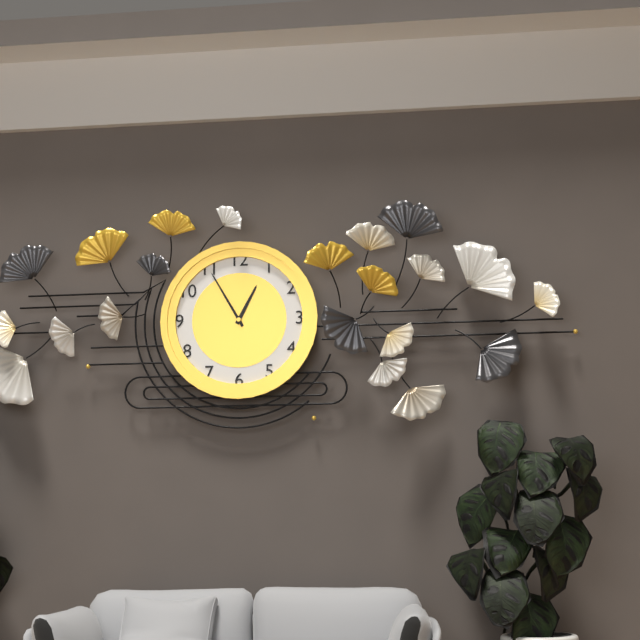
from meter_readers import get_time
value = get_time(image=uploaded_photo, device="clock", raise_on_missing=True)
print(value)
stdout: 12:55
